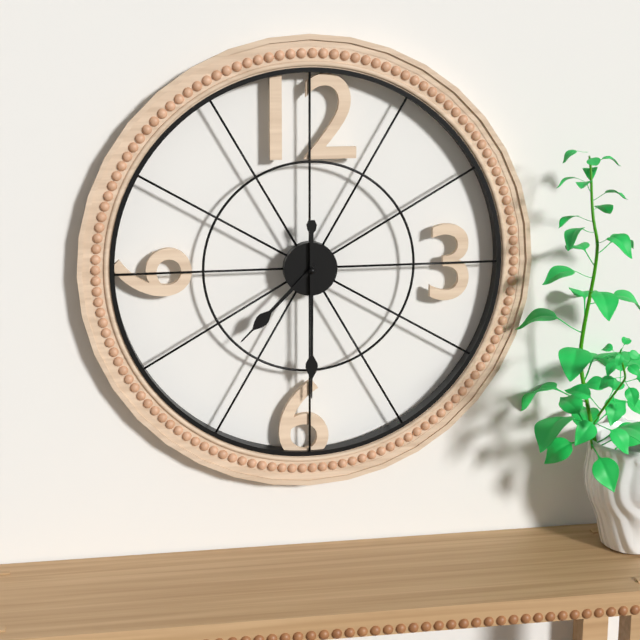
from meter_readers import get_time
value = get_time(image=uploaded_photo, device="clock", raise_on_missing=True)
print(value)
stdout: 7:30
